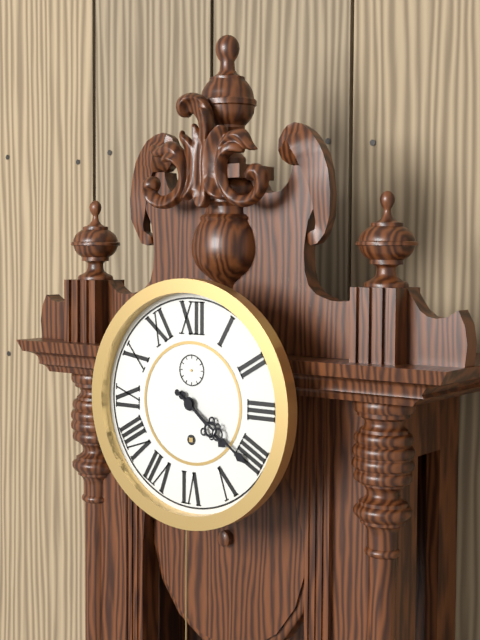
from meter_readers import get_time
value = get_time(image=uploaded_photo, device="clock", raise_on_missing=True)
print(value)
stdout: 4:21
